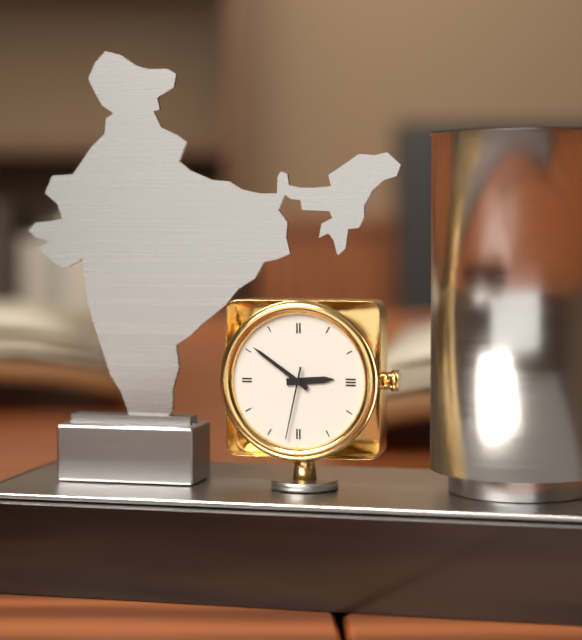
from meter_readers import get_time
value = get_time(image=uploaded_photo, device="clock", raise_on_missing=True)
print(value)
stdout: 2:51:32
